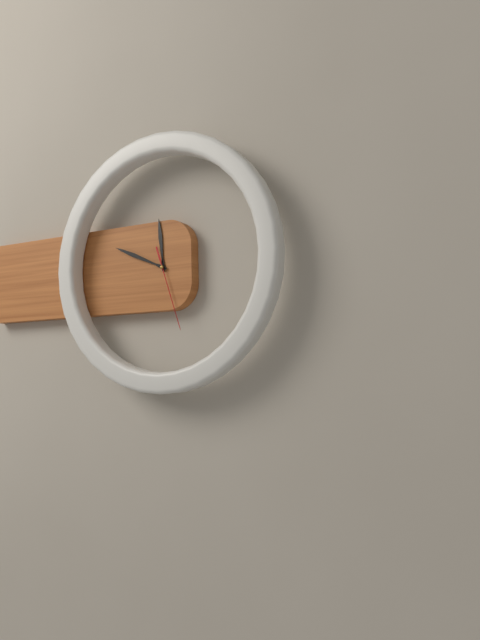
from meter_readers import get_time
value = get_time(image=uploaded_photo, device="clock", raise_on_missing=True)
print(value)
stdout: 11:49:27
